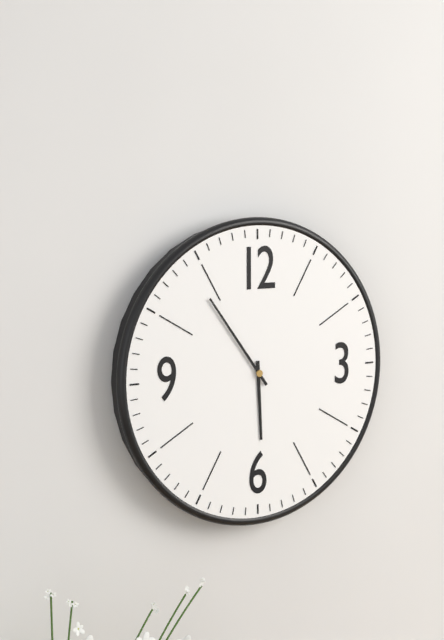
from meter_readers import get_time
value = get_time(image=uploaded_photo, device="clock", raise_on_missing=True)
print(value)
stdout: 5:54
